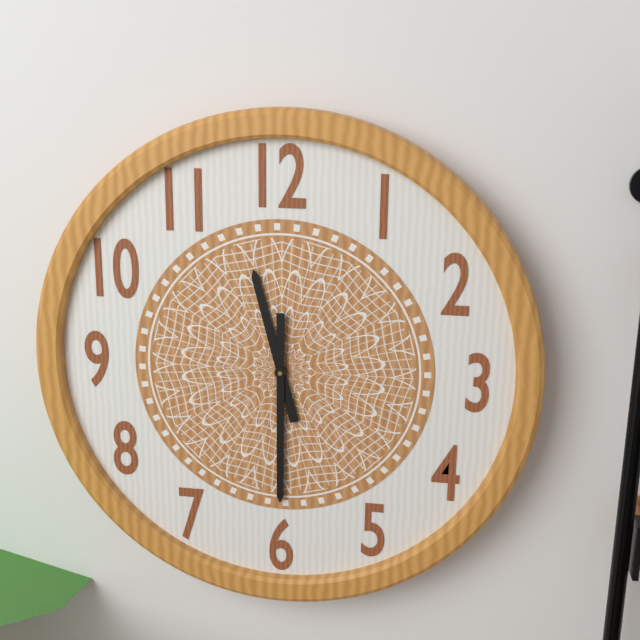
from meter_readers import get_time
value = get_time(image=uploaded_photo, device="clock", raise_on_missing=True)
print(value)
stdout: 11:30
